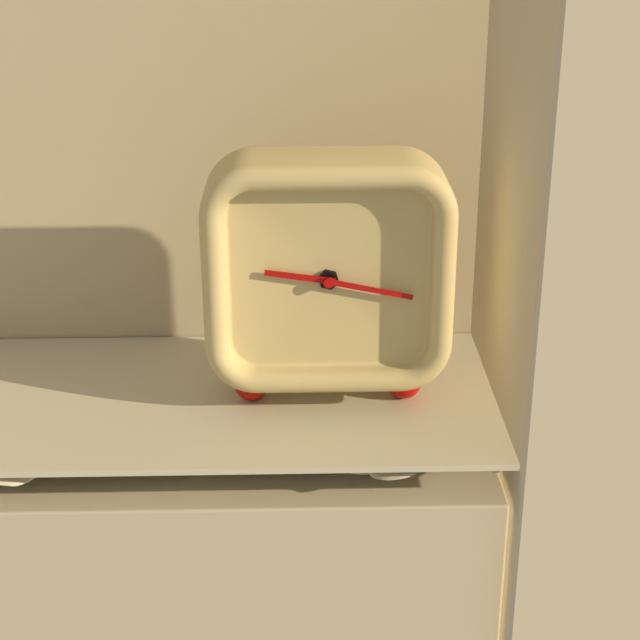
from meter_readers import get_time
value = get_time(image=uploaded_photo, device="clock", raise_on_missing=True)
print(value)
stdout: 9:17
